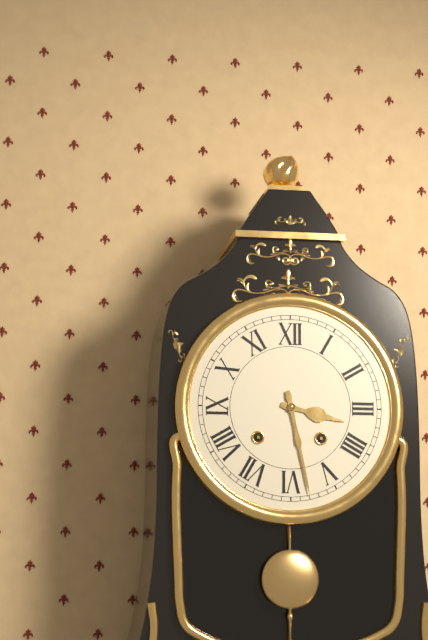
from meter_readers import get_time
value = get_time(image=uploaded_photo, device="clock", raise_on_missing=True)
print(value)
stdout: 3:28
